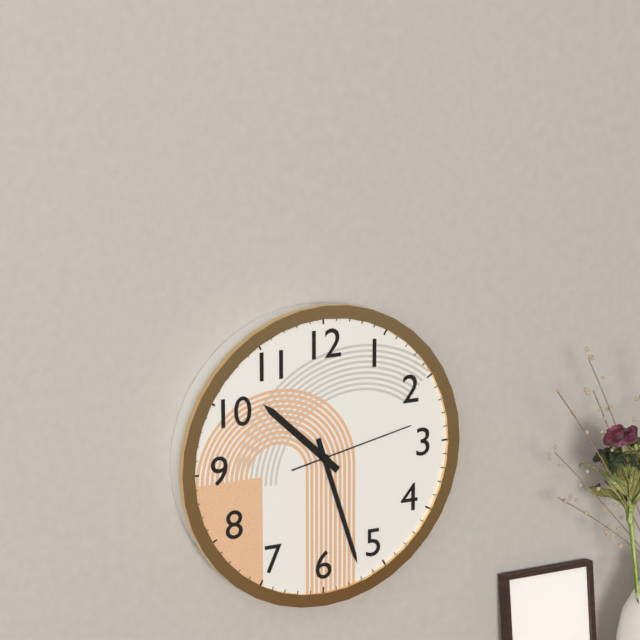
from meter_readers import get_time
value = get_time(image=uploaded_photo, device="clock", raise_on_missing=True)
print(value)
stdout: 10:27:13
